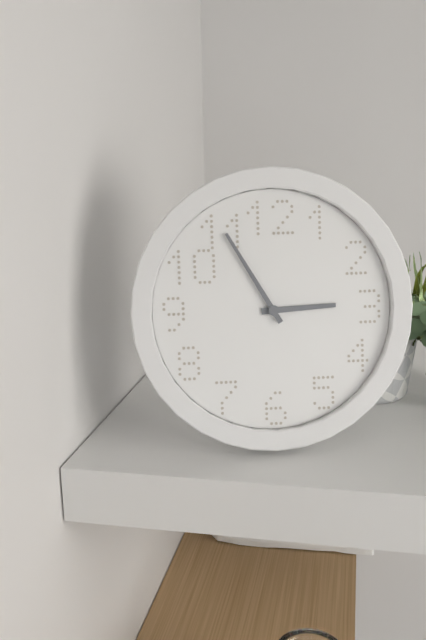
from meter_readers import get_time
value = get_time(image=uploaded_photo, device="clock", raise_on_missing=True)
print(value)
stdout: 2:55
